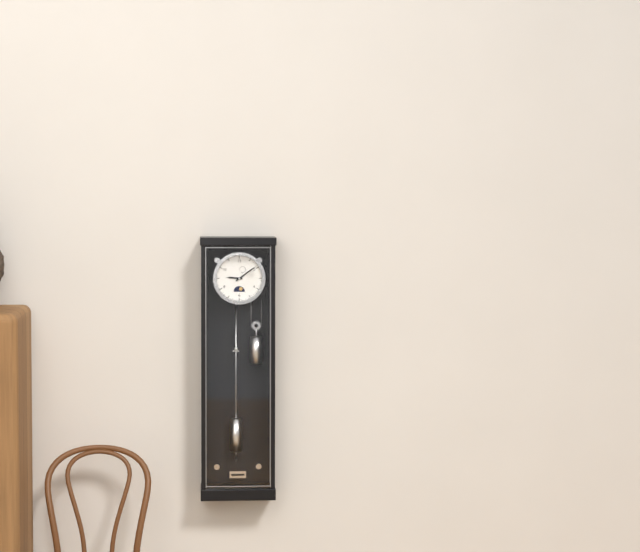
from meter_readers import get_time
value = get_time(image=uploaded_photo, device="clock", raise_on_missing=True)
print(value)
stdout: 9:09
